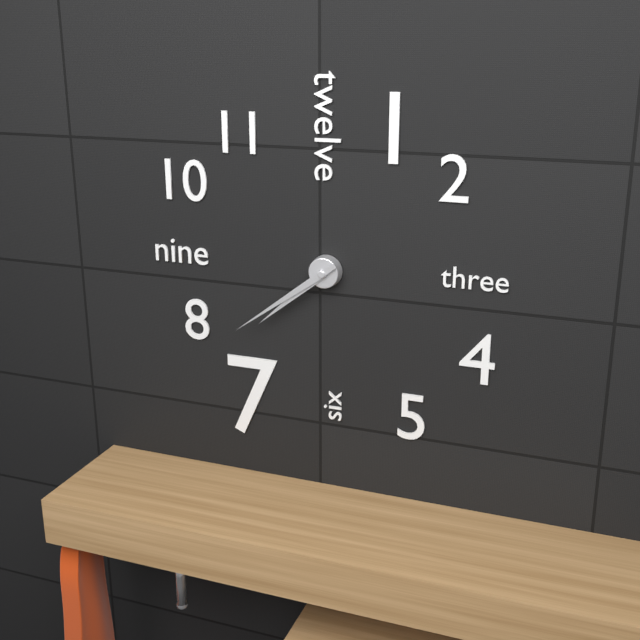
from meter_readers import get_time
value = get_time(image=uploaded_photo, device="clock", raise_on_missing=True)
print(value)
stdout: 7:39
